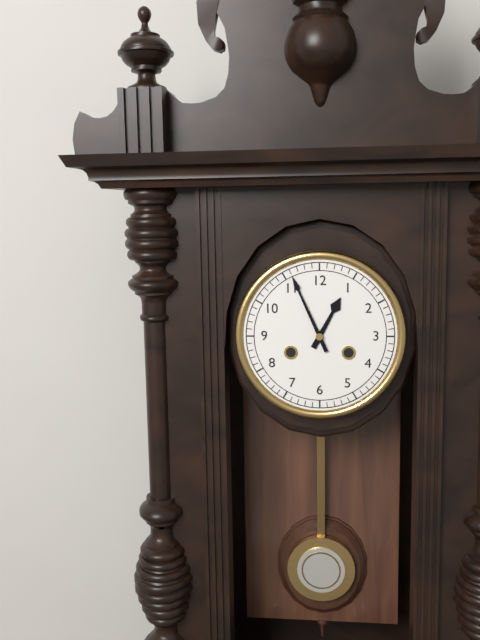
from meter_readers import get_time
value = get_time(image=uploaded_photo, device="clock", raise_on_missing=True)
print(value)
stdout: 12:56
